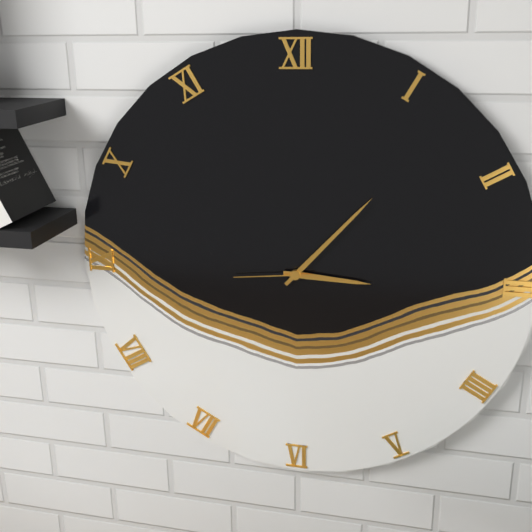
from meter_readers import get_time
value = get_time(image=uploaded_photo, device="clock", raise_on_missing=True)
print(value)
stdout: 3:07:44
